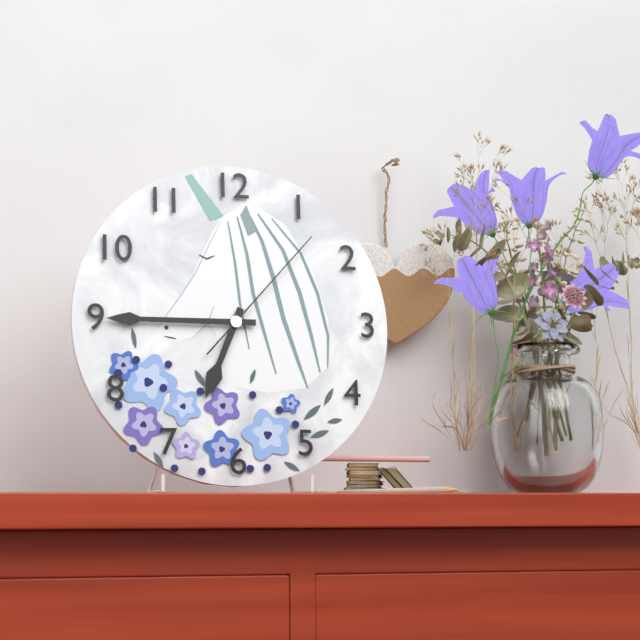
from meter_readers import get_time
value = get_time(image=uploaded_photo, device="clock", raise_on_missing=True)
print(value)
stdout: 6:45:07
